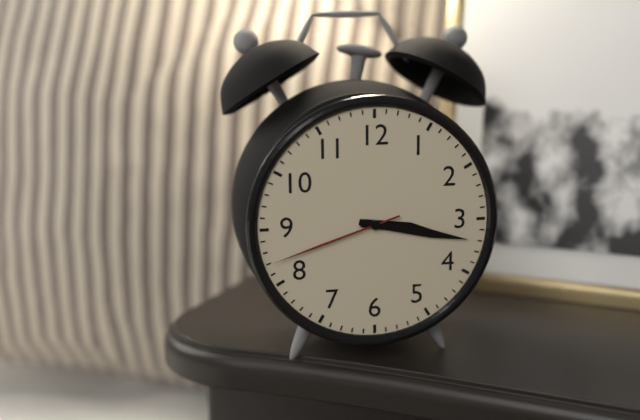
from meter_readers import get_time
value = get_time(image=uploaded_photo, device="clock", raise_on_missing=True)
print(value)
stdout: 3:17:42
